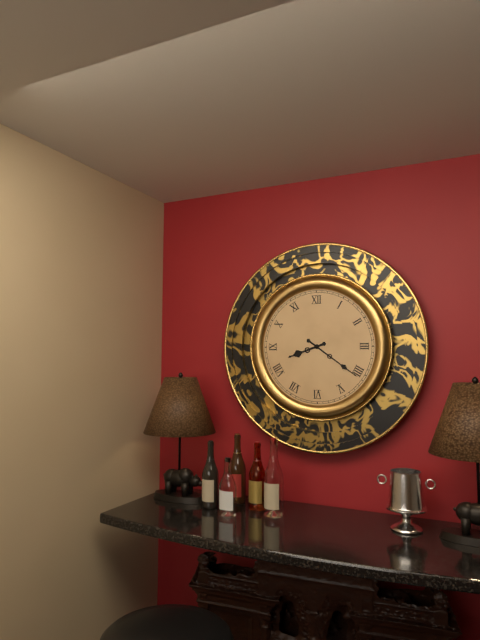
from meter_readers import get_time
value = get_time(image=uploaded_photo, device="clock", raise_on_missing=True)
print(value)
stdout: 8:21
